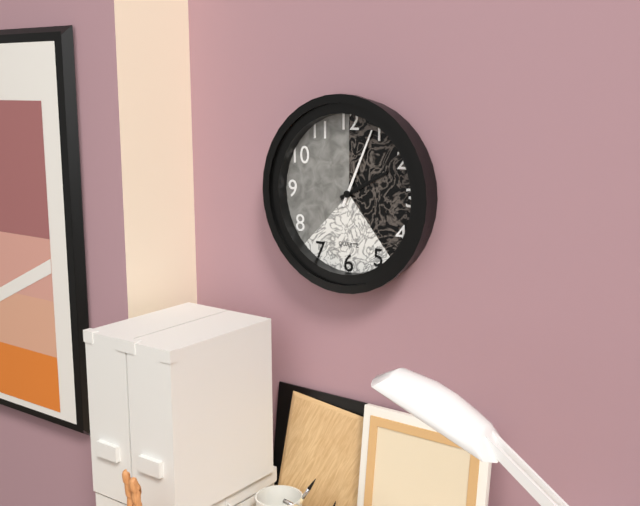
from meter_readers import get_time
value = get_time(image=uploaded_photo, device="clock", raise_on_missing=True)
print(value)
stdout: 2:04
